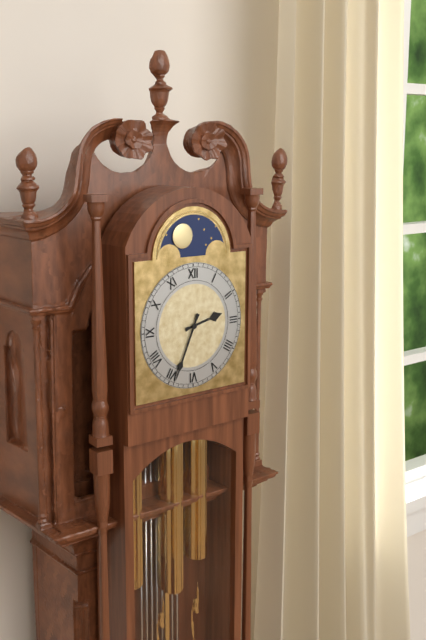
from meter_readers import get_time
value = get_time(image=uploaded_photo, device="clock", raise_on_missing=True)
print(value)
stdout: 2:34
